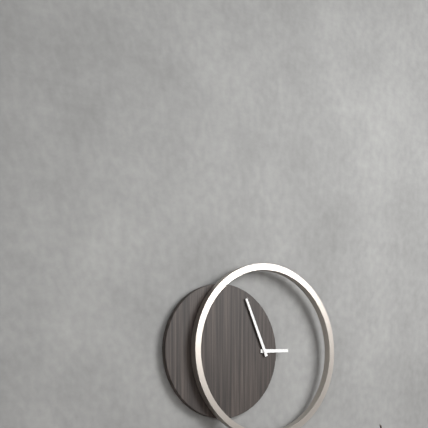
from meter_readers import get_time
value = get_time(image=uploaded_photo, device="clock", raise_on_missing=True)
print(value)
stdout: 2:56
